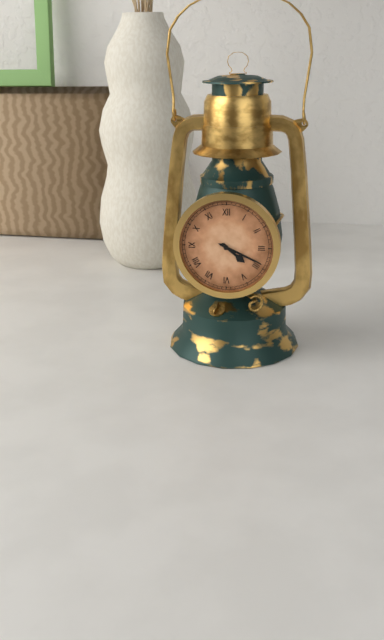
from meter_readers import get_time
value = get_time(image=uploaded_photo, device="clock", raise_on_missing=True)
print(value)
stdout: 4:19
